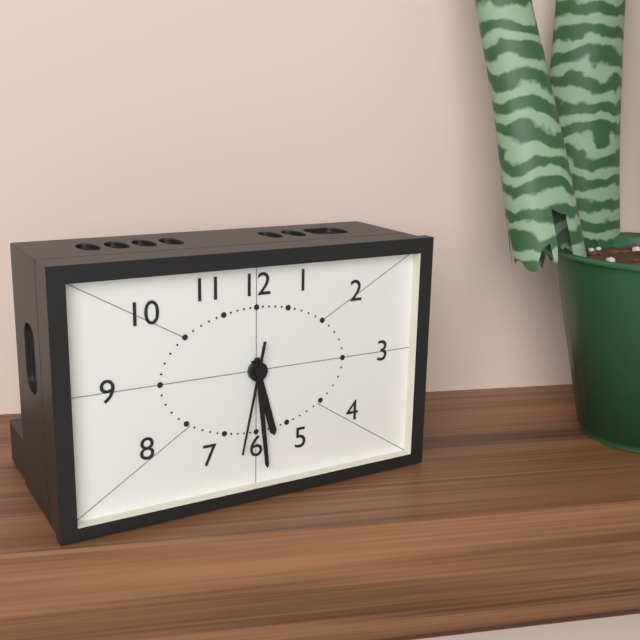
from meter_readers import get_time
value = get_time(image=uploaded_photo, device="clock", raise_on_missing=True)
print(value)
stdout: 5:29:32
